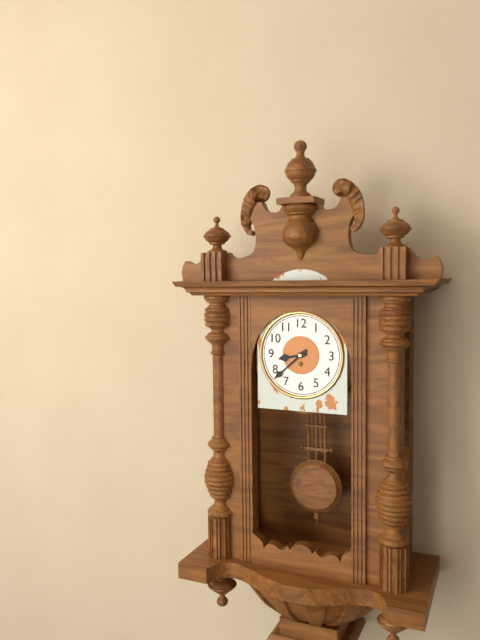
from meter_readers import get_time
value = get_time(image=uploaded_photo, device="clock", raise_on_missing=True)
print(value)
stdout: 8:38
